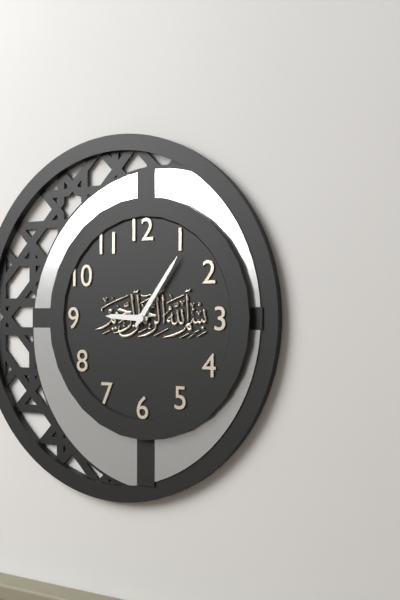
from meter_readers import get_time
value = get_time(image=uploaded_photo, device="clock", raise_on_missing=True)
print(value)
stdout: 9:06
